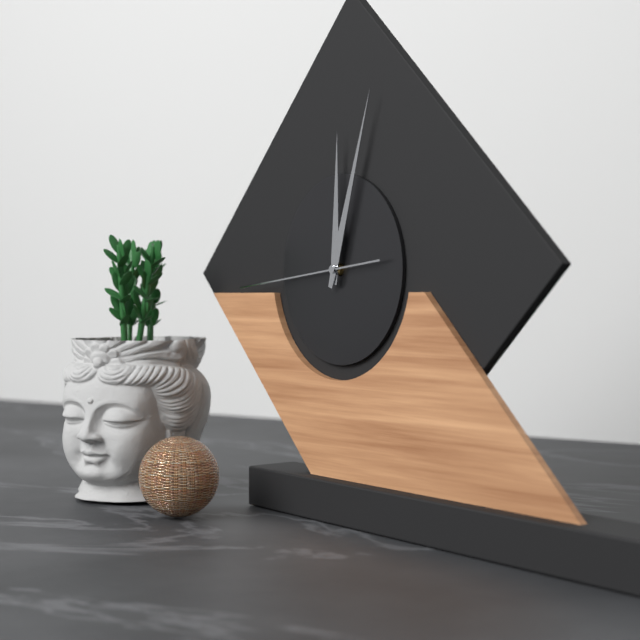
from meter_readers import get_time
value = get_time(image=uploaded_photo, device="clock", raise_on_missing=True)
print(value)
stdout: 12:03:44
